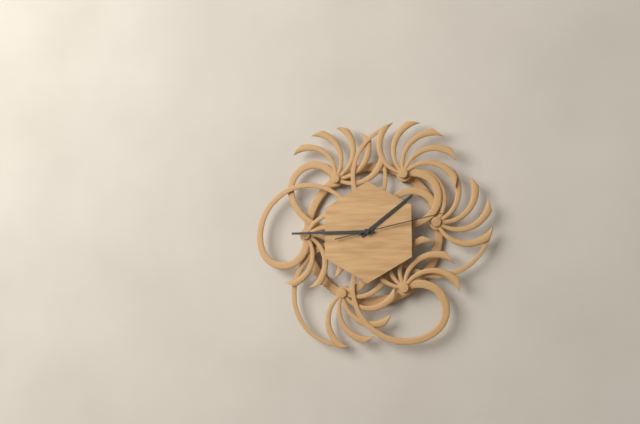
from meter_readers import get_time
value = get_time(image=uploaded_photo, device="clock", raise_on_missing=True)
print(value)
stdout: 1:45:13
